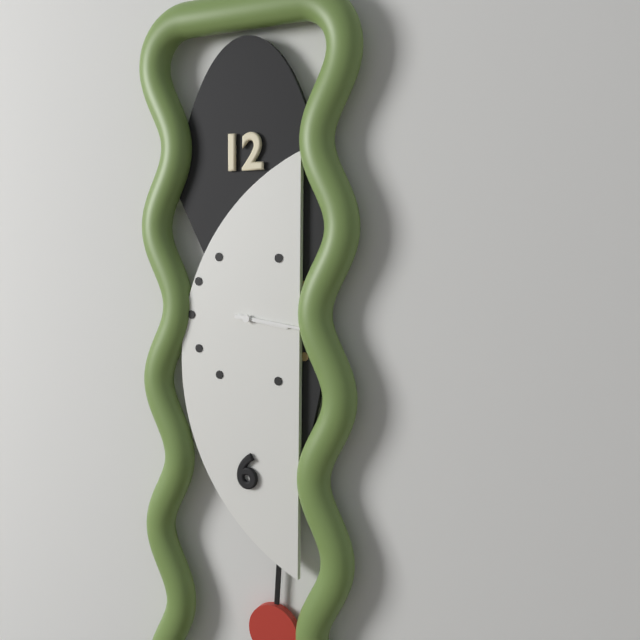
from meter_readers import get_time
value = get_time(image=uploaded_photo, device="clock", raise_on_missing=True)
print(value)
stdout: 3:16
